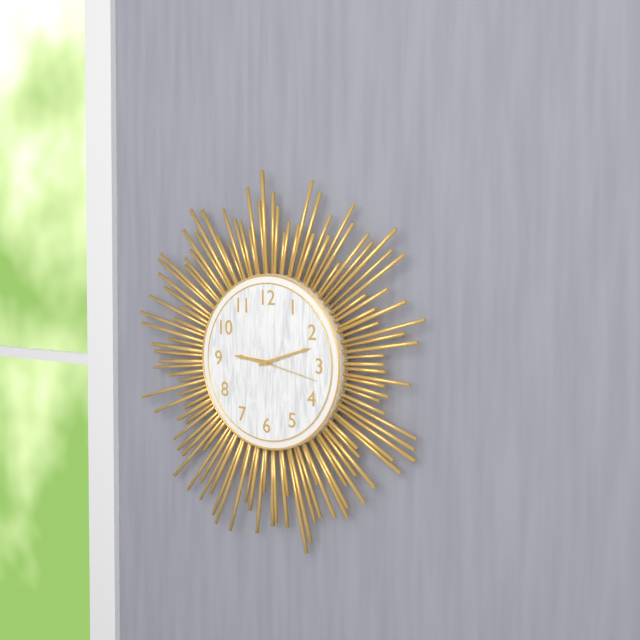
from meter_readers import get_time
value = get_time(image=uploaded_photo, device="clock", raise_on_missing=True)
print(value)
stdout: 9:12:17
